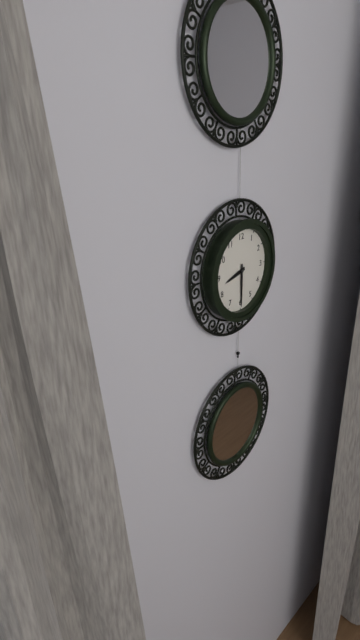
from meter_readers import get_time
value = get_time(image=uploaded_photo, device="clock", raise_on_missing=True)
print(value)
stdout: 8:30
